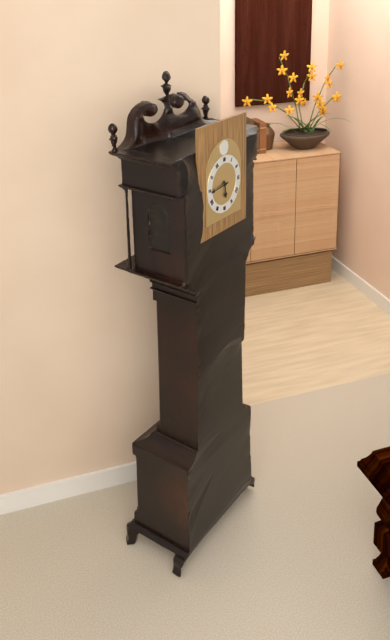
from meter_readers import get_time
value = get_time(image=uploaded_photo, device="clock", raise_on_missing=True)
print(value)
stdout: 5:44
